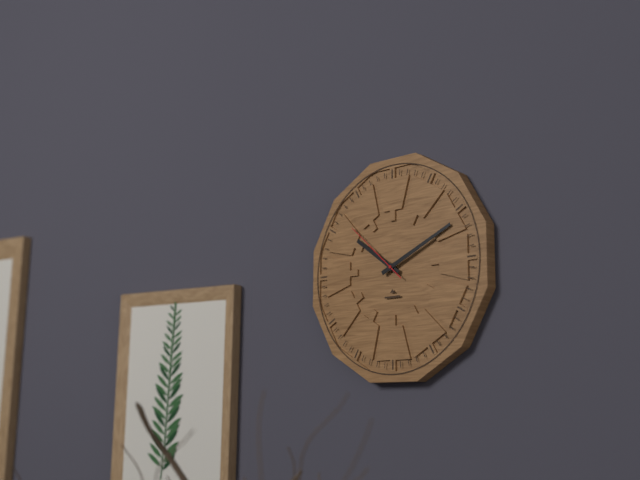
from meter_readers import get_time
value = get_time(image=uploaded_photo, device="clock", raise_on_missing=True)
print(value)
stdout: 10:11:52
